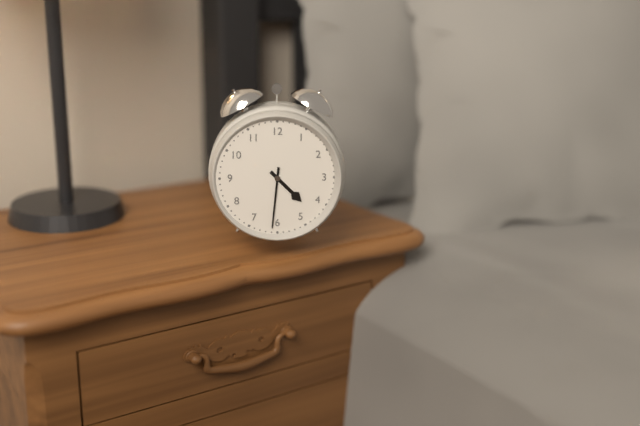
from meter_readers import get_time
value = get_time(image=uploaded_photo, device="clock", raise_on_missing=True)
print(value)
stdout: 4:31
